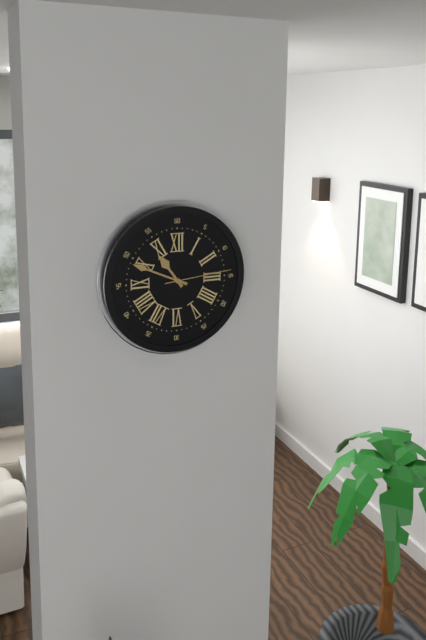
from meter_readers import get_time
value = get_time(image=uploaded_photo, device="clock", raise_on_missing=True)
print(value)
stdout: 10:49:14
